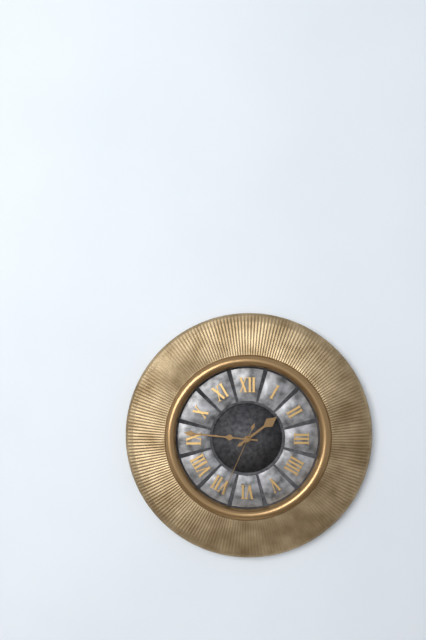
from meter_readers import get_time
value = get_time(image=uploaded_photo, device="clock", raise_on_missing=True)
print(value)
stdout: 1:46:34
